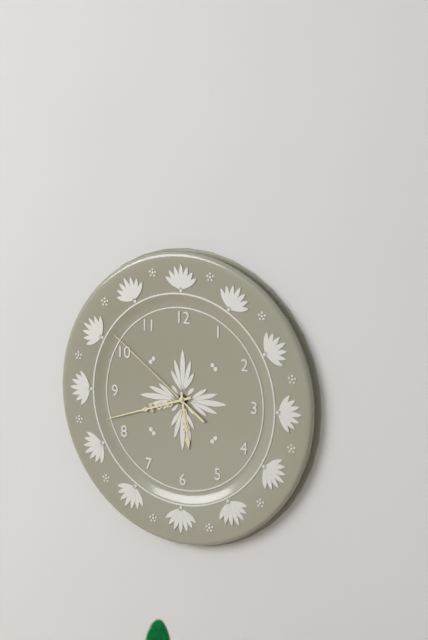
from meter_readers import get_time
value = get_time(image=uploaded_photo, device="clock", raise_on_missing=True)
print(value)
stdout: 5:42:51
